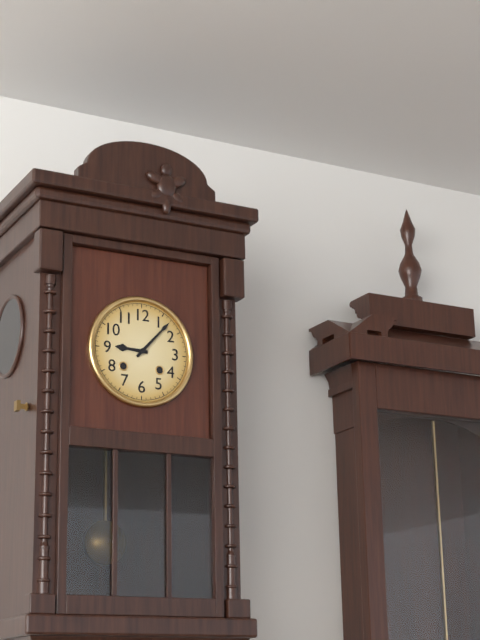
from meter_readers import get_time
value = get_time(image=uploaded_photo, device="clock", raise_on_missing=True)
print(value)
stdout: 9:07
